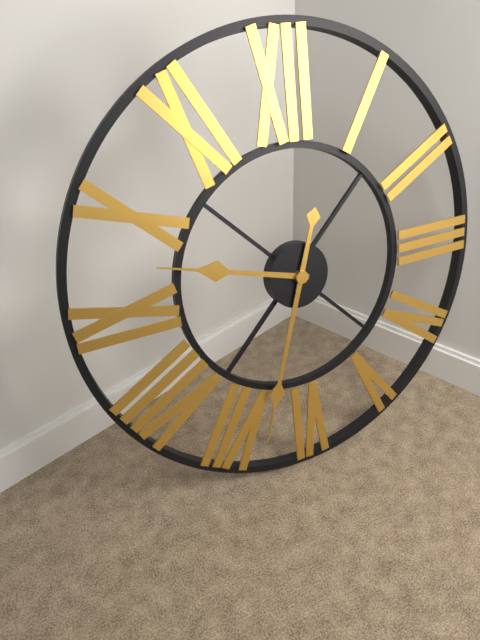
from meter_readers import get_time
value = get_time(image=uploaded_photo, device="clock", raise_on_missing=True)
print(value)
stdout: 9:33
